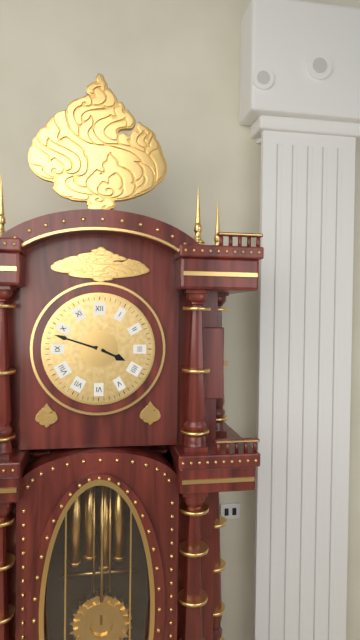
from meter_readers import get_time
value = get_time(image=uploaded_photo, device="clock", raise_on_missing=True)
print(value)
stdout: 3:48
